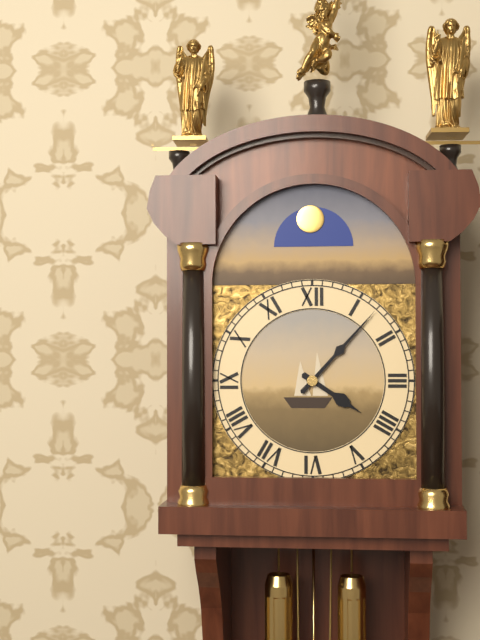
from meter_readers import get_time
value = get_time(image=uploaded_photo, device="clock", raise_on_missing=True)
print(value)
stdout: 4:07
